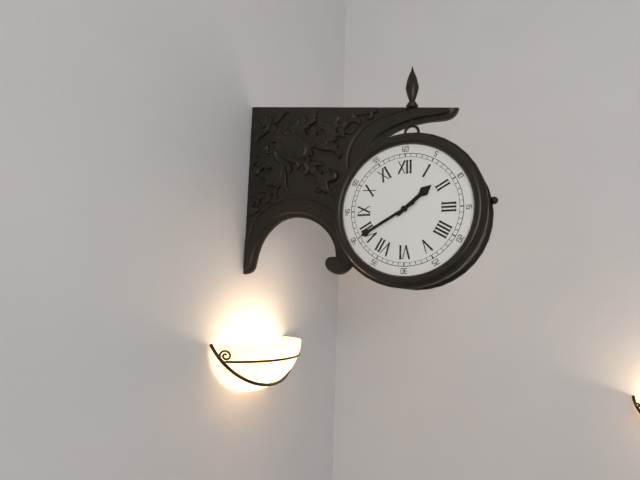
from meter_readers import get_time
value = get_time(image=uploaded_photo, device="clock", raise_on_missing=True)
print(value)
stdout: 1:40
